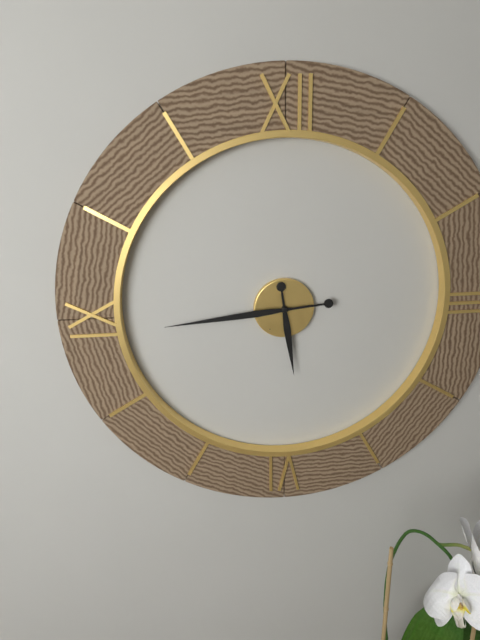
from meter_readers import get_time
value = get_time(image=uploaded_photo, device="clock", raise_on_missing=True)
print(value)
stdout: 5:44
